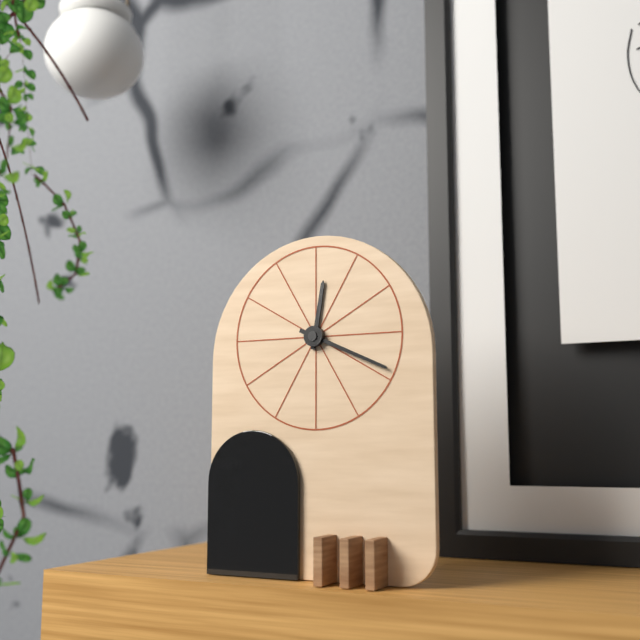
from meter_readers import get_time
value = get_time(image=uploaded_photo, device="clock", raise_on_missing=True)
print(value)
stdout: 12:19
